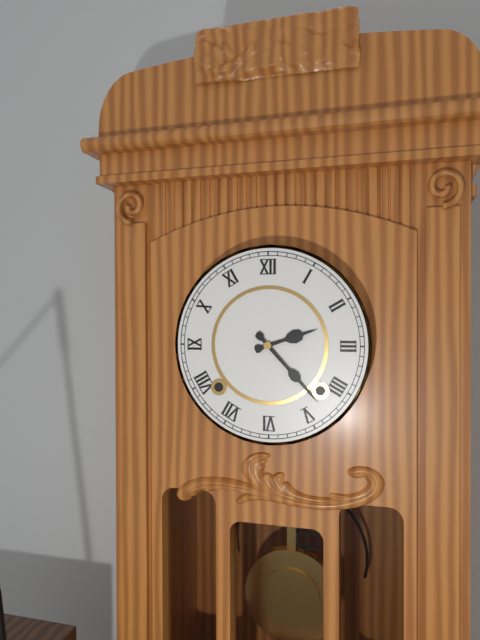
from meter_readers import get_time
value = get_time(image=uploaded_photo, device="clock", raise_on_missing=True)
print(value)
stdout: 2:23
